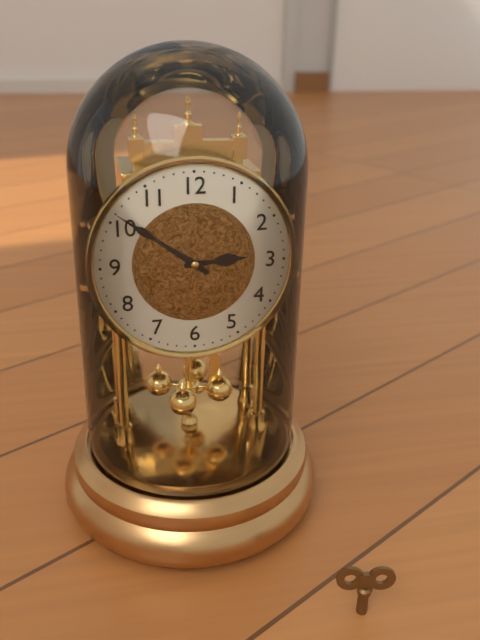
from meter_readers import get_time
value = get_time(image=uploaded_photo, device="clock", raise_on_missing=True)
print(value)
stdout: 2:51
